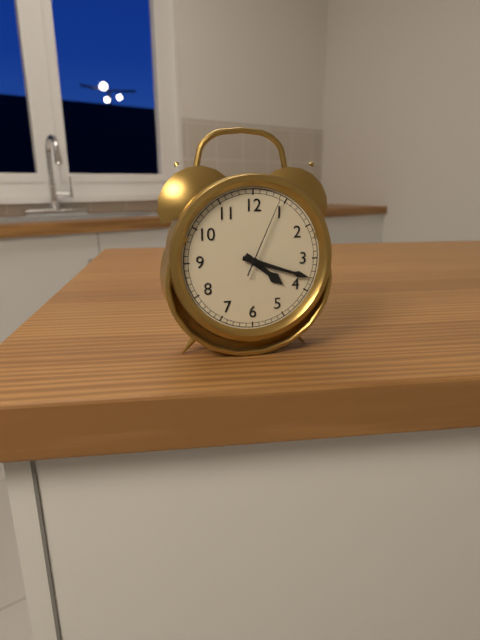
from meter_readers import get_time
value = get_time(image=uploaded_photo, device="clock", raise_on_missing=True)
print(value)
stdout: 4:18:04
